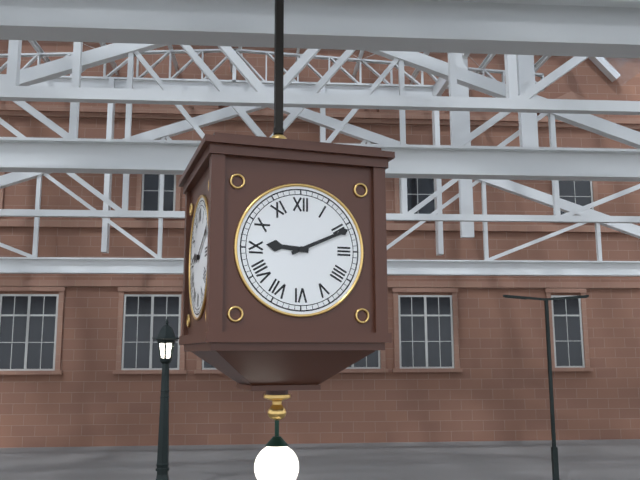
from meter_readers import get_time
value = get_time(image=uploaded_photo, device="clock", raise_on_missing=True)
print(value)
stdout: 9:11
